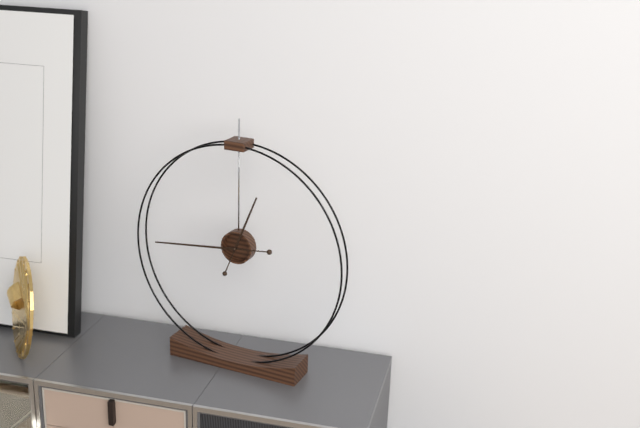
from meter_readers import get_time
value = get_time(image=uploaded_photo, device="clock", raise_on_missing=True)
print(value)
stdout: 12:44
